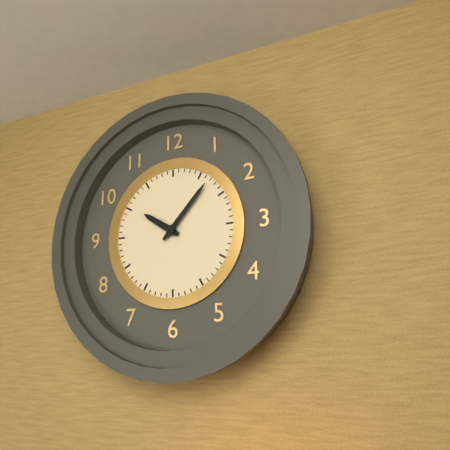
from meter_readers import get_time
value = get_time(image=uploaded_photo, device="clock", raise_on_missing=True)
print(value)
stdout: 10:07
